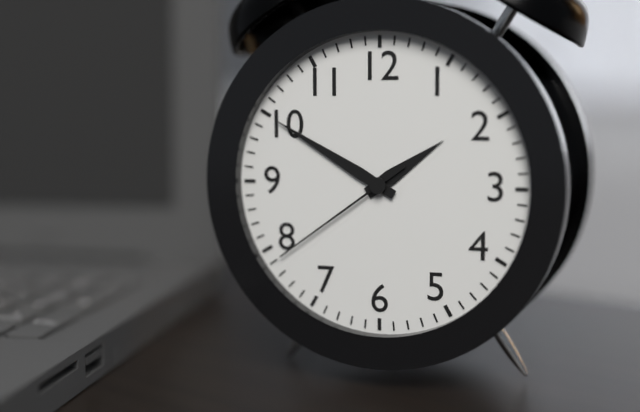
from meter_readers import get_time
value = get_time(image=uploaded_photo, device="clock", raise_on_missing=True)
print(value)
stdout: 1:50:39
